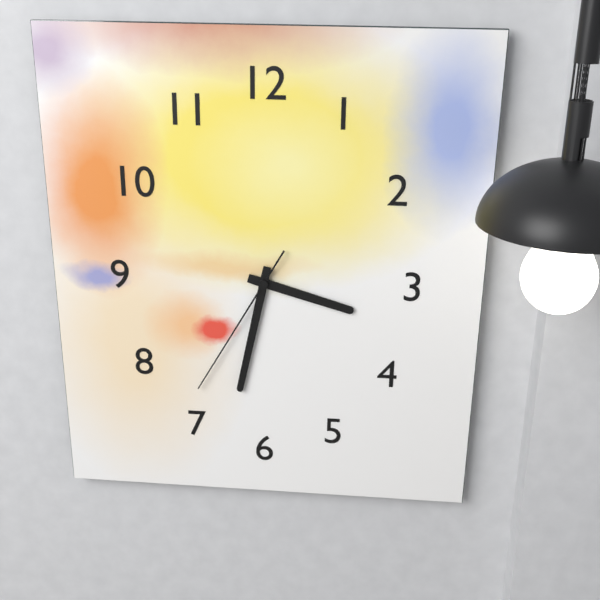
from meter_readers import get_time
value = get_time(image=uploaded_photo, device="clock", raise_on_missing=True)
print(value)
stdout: 3:32:35
